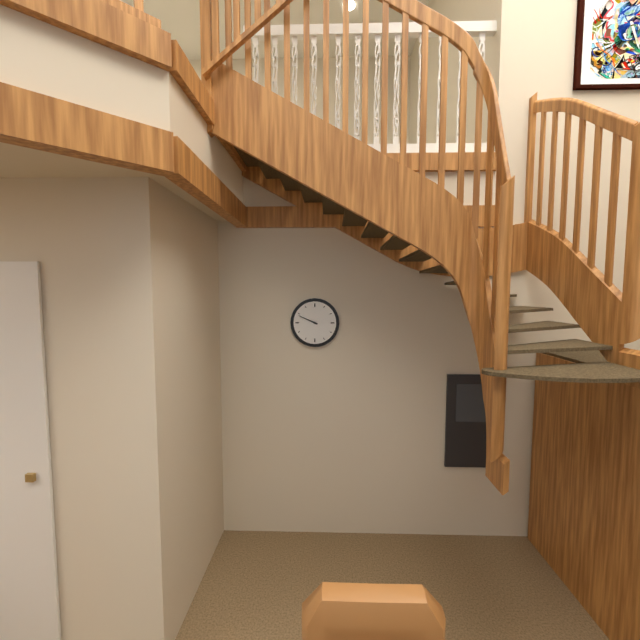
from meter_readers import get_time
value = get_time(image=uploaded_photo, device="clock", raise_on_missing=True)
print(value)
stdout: 9:49
